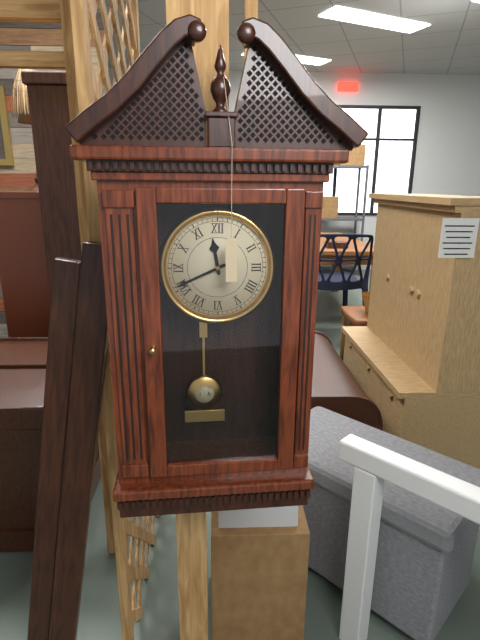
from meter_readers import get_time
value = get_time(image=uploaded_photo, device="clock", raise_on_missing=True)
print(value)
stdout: 11:41
